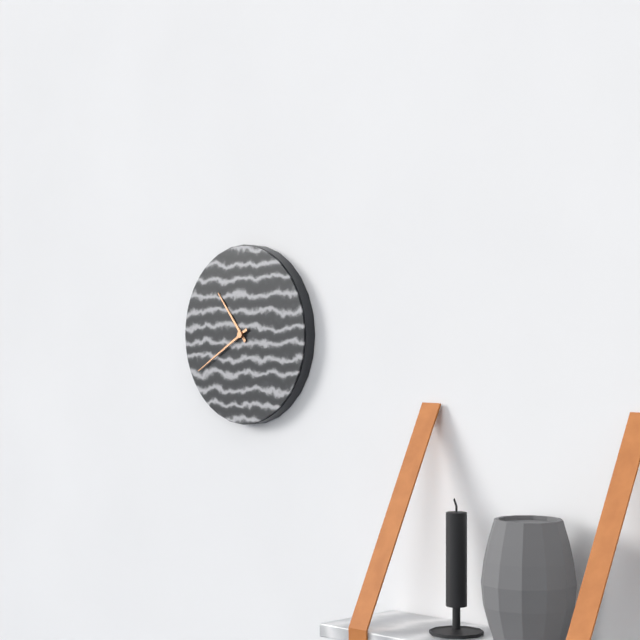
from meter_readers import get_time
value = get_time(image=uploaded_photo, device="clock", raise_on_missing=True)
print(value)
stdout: 10:40
